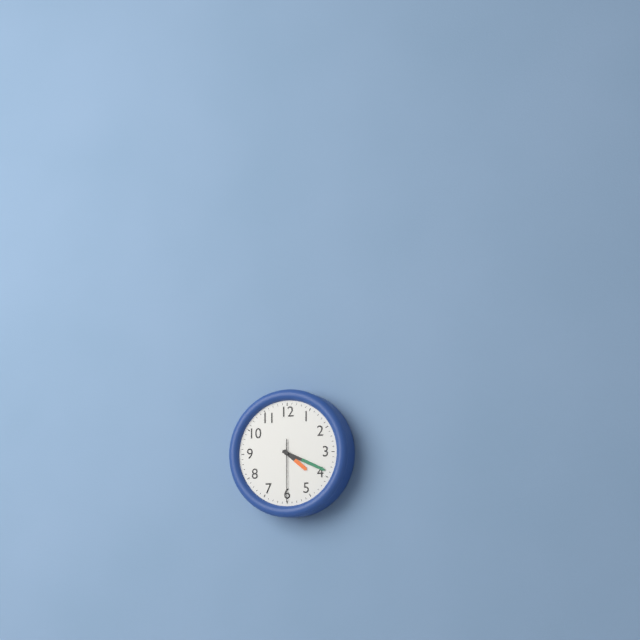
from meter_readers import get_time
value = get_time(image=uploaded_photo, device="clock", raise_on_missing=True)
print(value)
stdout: 4:19:30
